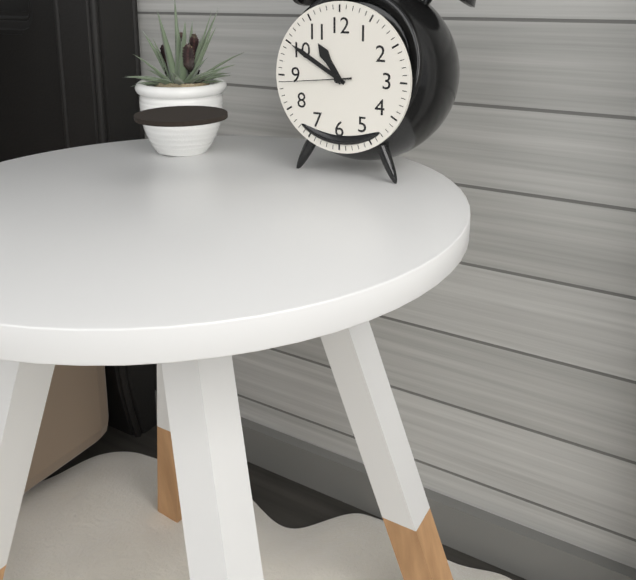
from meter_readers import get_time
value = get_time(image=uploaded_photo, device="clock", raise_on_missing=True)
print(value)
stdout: 10:50:44
